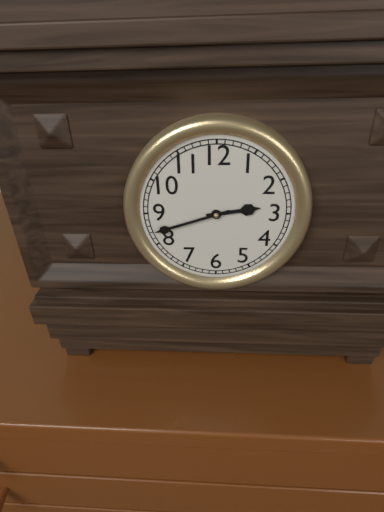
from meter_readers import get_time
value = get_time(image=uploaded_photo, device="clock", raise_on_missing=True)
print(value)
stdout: 2:42
